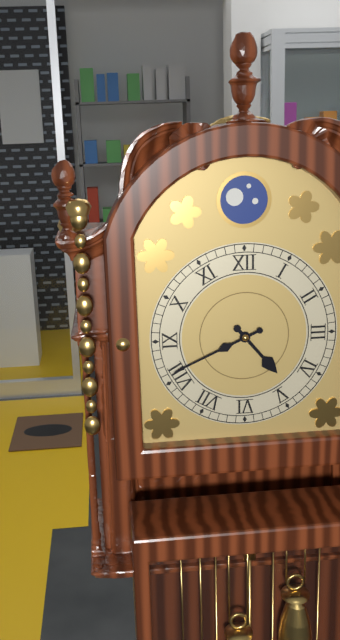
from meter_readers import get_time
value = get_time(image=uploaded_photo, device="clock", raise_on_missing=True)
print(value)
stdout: 4:41
